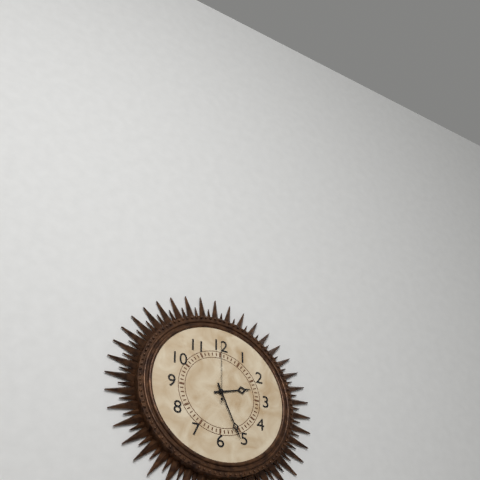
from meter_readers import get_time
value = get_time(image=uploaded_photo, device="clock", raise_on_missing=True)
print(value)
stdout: 2:26:00
